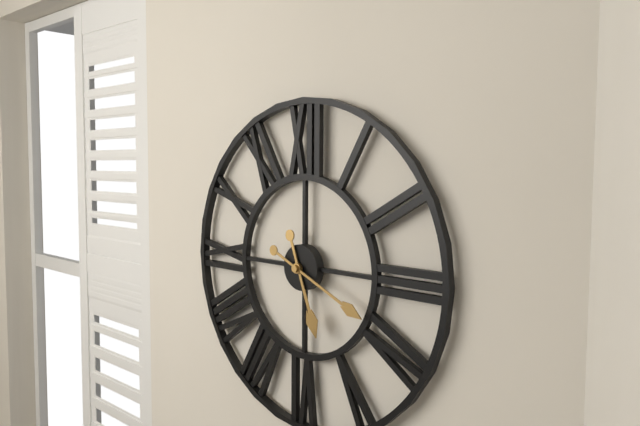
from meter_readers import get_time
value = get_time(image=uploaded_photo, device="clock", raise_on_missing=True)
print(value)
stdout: 5:19
